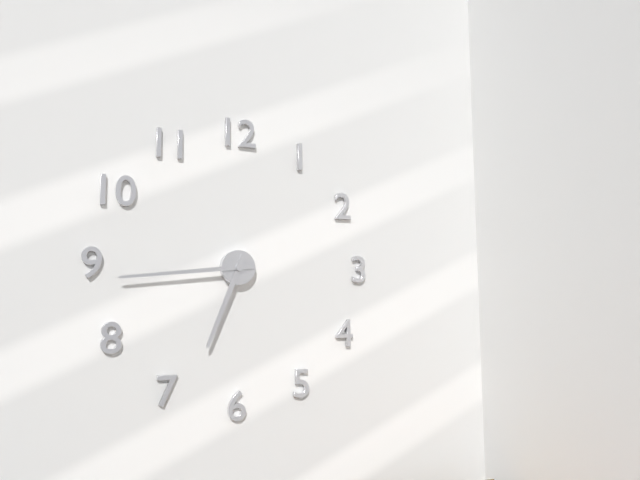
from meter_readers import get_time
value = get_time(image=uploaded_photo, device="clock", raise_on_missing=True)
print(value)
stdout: 6:44
